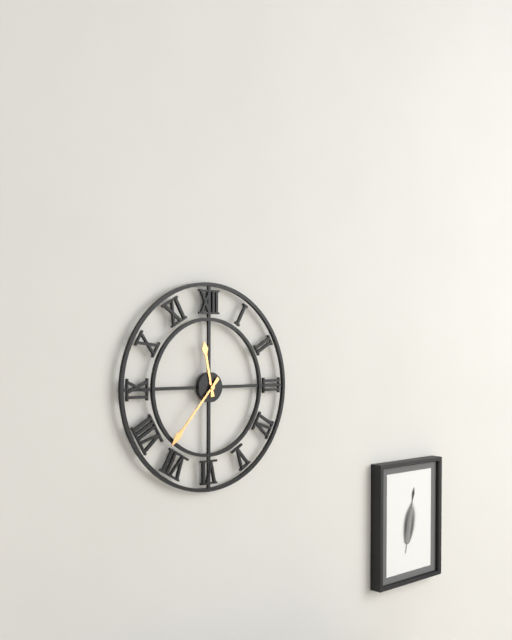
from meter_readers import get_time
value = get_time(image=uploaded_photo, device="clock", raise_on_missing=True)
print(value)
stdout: 11:37
